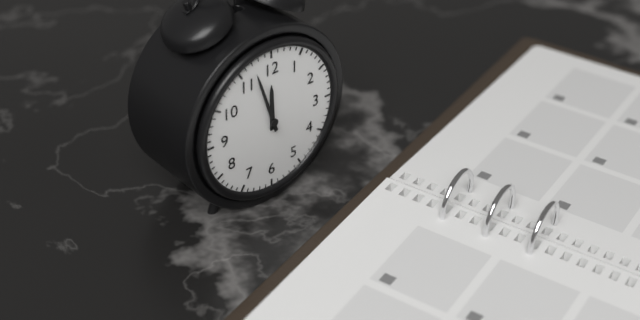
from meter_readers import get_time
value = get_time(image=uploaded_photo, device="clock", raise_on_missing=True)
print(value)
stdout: 11:57
